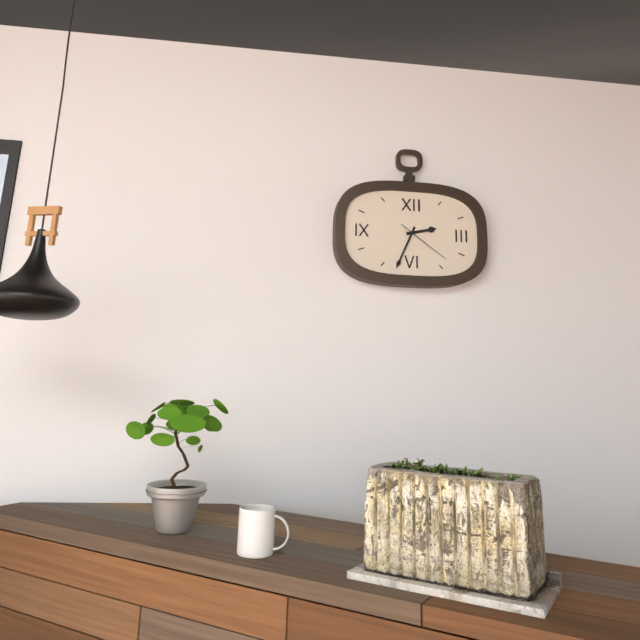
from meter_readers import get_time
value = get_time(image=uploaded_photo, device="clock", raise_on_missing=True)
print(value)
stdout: 2:34:21
